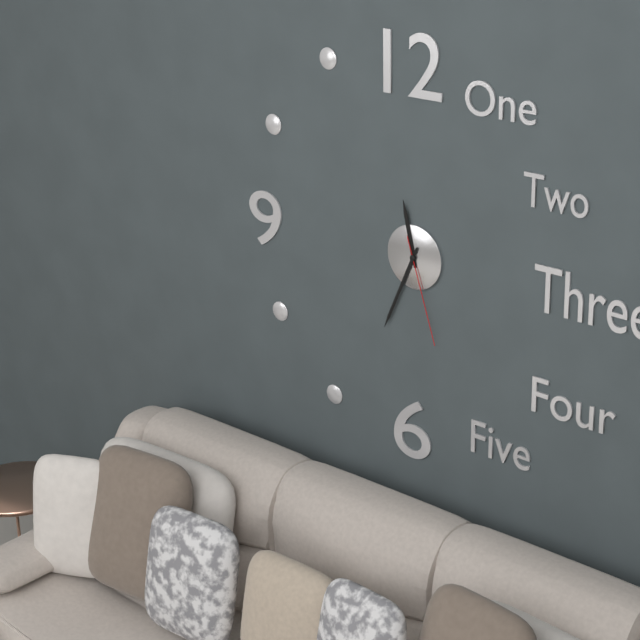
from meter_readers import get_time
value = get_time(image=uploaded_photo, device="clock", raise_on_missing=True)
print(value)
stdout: 11:34:27
